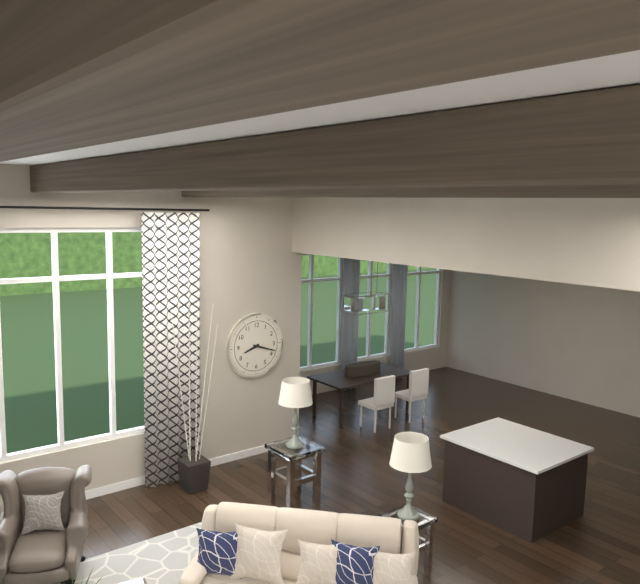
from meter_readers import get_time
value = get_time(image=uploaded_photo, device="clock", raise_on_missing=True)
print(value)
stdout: 8:18
